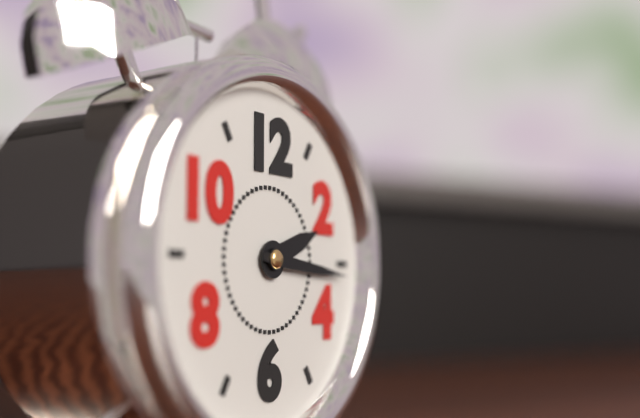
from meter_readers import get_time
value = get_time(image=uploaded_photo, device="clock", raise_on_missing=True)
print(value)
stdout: 2:16
